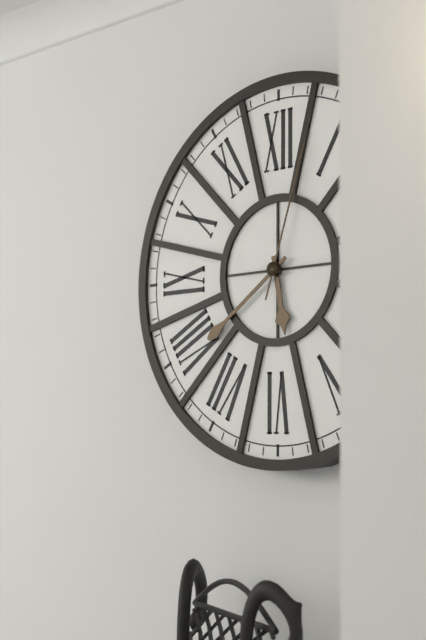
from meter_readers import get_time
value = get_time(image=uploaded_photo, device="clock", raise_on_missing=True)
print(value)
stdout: 5:39:03
